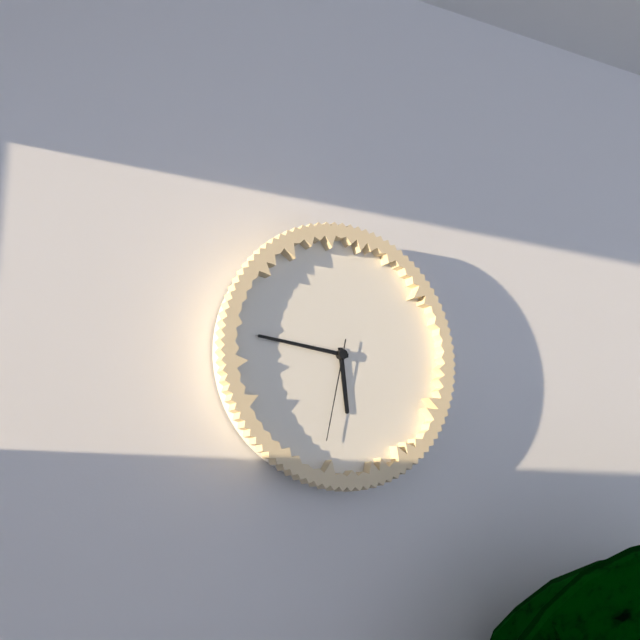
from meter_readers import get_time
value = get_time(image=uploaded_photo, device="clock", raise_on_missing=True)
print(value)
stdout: 5:46:32
